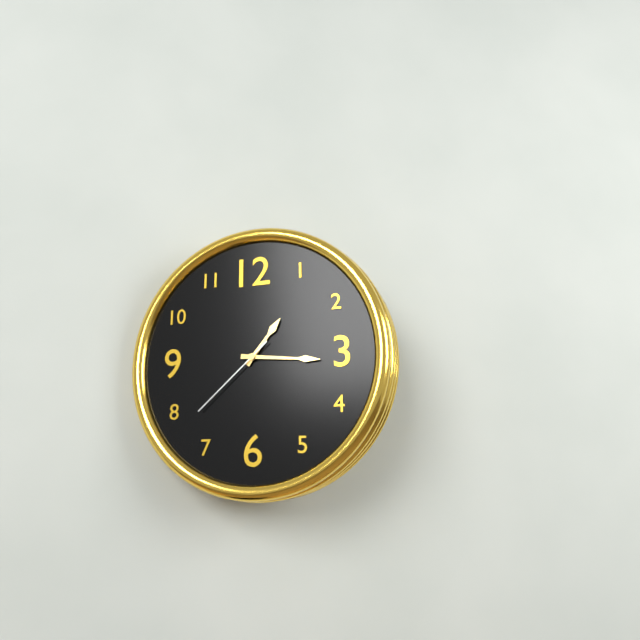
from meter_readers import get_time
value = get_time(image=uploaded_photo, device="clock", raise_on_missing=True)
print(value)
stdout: 1:16:38
